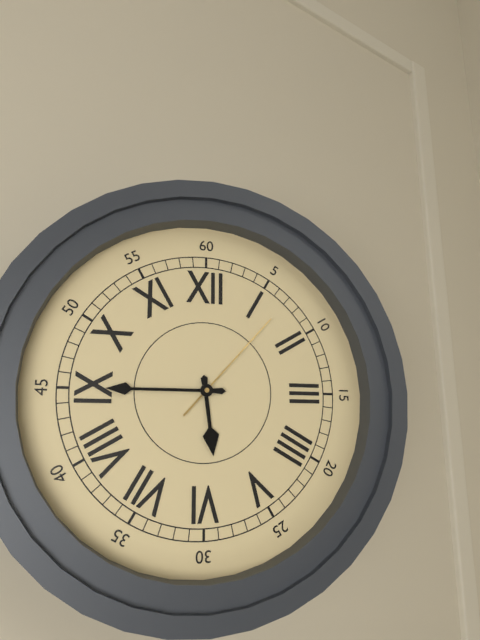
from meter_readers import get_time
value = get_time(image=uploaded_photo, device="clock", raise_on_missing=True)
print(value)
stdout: 5:45:07
